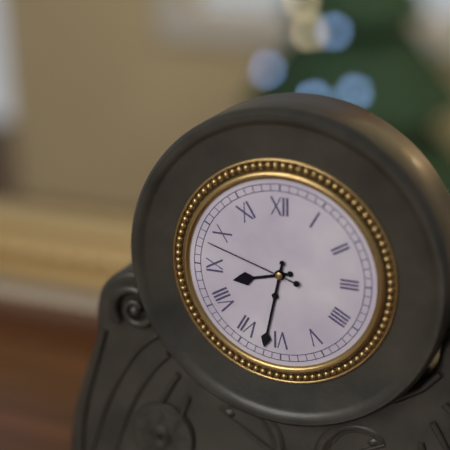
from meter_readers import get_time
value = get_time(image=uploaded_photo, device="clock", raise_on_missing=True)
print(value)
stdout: 8:32:48
